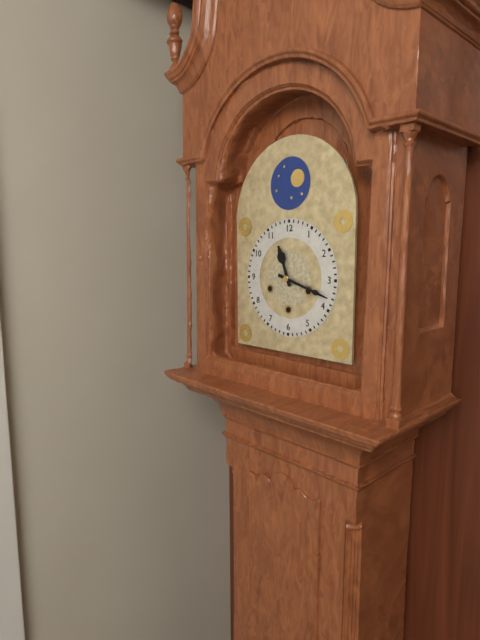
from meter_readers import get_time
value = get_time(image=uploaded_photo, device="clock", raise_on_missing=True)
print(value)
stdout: 11:18
